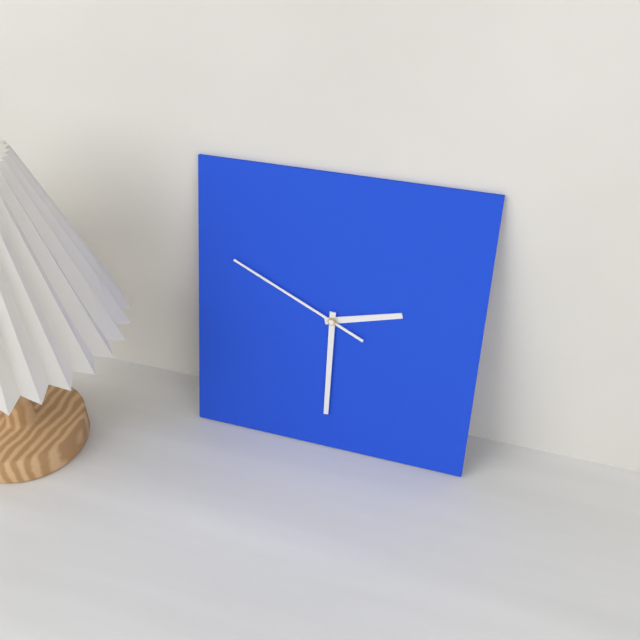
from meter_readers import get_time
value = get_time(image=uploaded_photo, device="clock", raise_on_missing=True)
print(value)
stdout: 2:30:49
